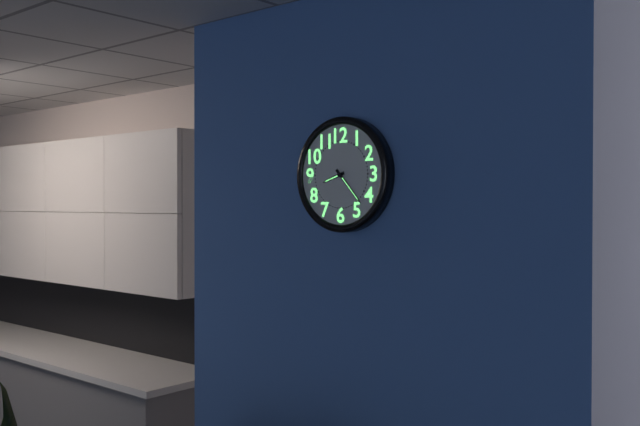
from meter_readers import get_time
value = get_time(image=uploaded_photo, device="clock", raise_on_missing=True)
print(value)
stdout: 8:23
